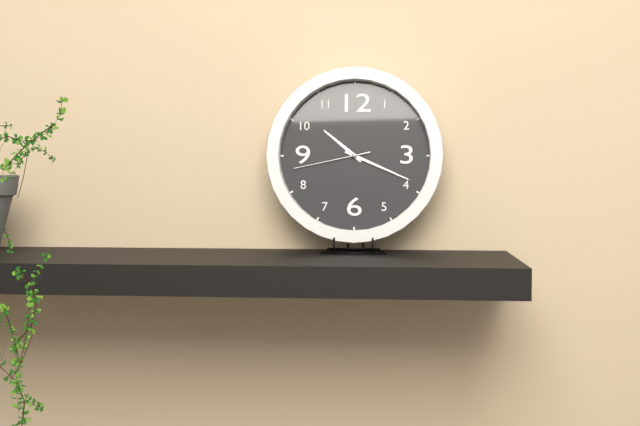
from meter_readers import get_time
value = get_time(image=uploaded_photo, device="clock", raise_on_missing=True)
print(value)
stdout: 10:19:43
